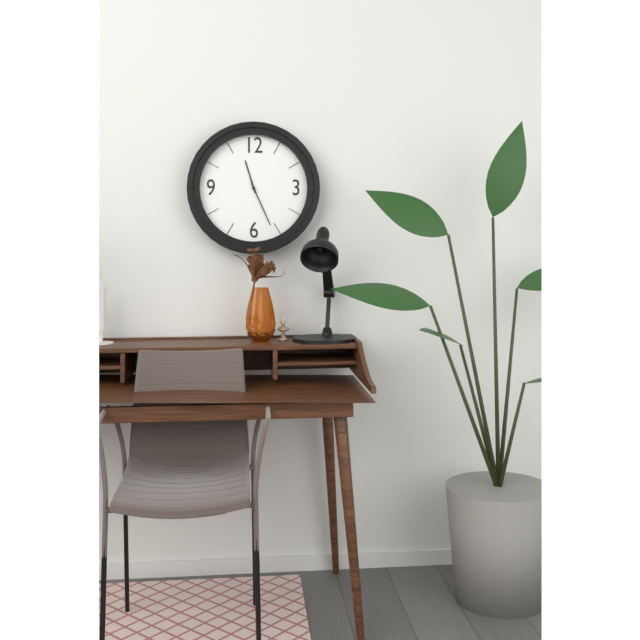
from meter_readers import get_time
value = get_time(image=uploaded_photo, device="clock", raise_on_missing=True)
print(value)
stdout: 11:26
